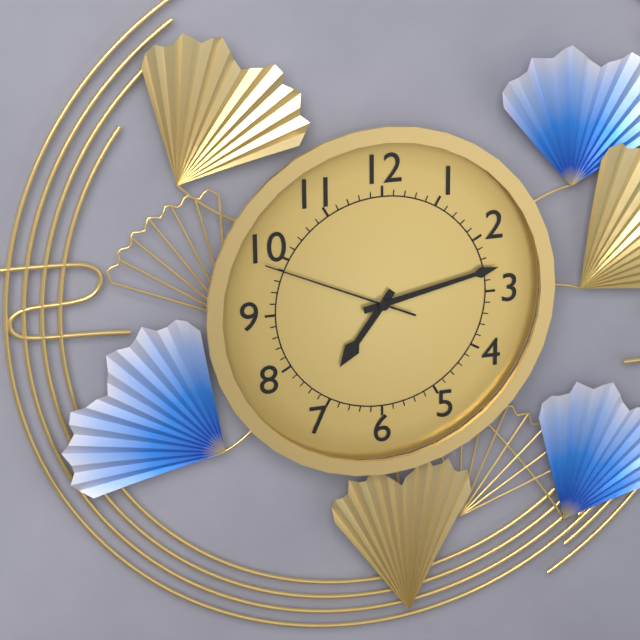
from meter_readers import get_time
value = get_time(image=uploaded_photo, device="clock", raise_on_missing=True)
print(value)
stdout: 7:13:49
